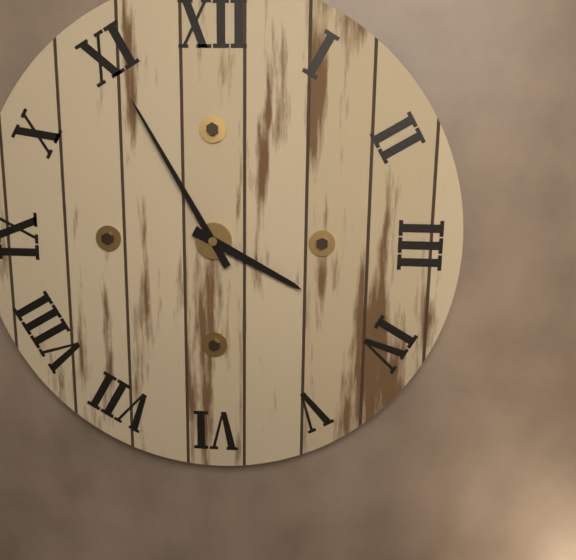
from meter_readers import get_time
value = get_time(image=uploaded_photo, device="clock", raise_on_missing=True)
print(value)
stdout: 3:55
